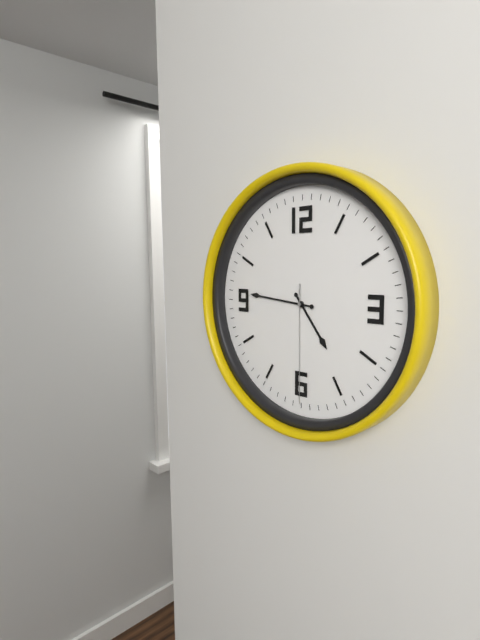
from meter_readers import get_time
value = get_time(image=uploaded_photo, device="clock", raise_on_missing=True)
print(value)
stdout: 4:46:30
